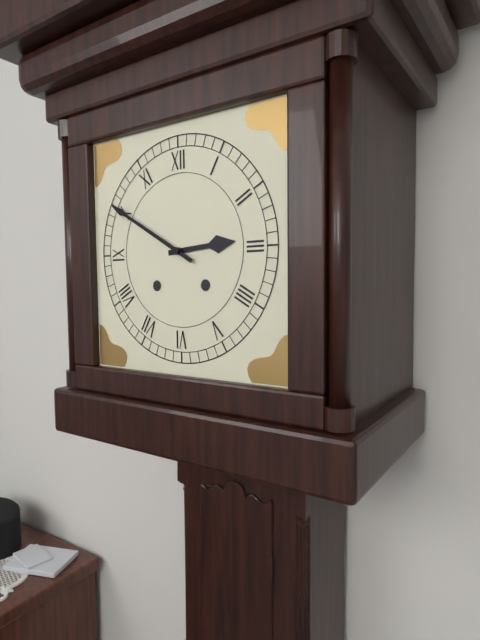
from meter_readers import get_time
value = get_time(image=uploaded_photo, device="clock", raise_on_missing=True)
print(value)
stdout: 2:50
